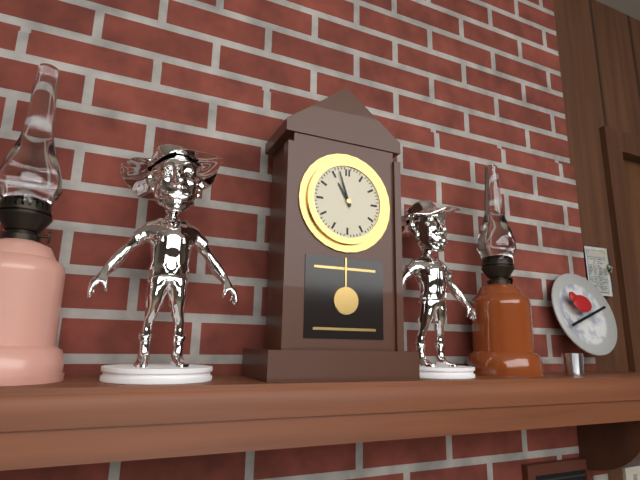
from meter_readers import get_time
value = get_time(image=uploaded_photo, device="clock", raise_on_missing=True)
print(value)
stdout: 10:57
